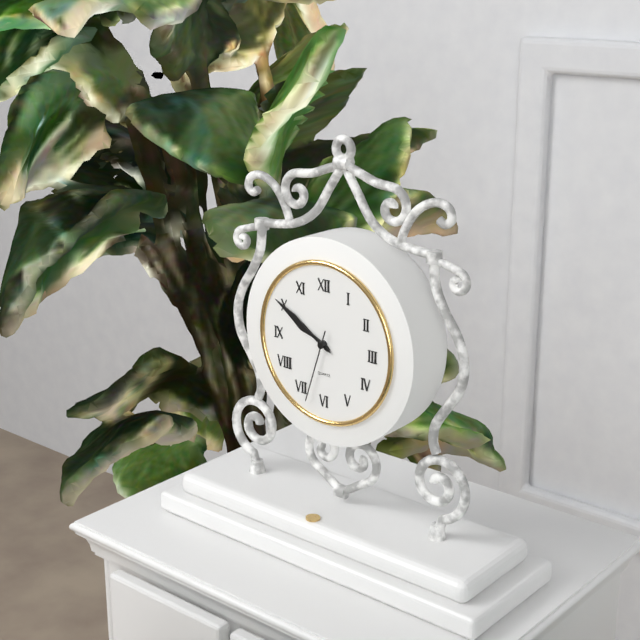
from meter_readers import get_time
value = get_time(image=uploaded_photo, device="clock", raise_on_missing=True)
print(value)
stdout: 9:50:33
